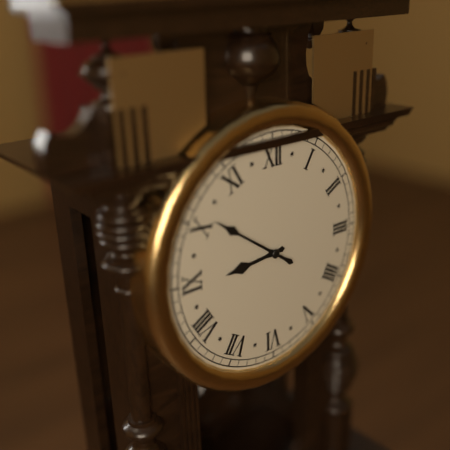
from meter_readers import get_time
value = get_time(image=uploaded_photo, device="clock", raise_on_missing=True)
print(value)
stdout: 8:51
